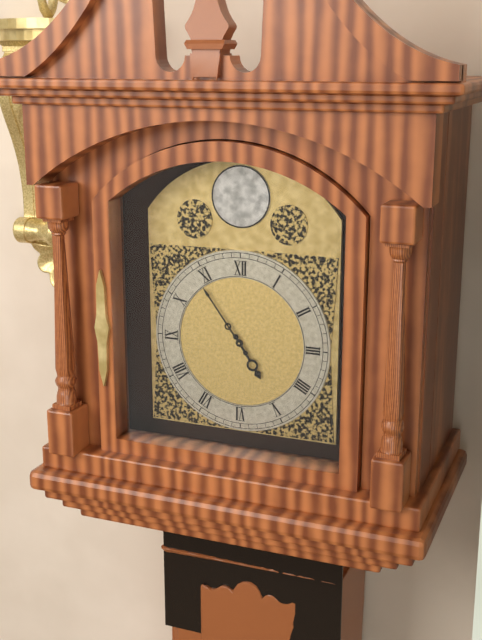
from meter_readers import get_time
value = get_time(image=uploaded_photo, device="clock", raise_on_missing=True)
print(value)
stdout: 4:54
